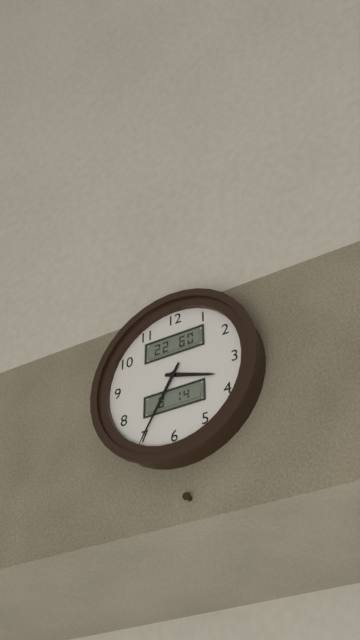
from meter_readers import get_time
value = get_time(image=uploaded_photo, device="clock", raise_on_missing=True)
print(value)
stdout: 3:35
